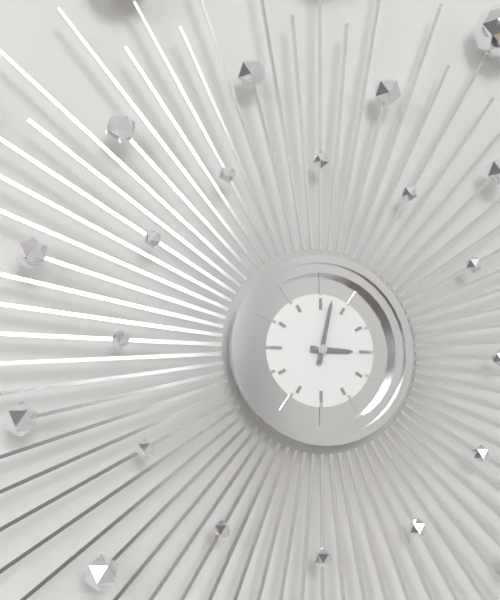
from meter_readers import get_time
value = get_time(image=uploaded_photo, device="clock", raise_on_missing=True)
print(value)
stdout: 3:02
